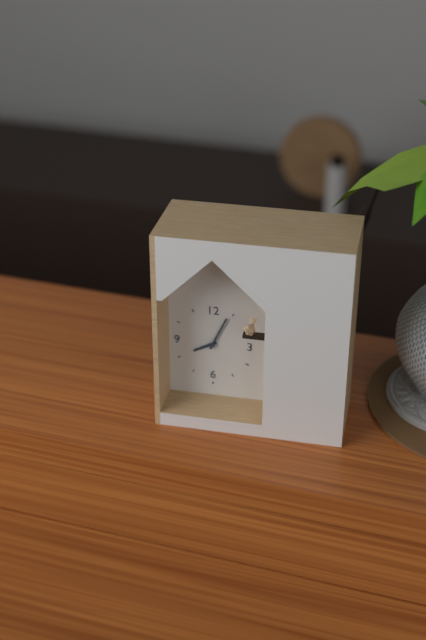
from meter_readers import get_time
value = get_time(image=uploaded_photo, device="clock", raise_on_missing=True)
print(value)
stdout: 8:04
